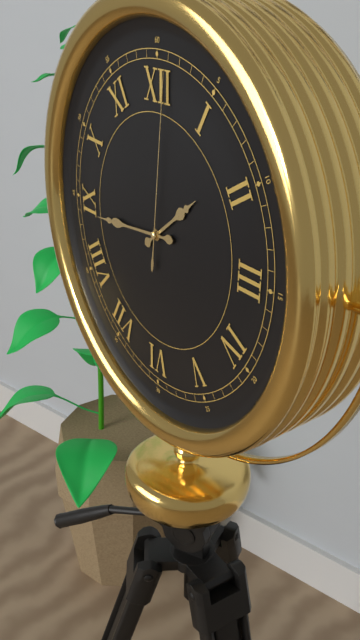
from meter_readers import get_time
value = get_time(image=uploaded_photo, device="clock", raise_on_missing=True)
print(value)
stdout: 1:44:01
